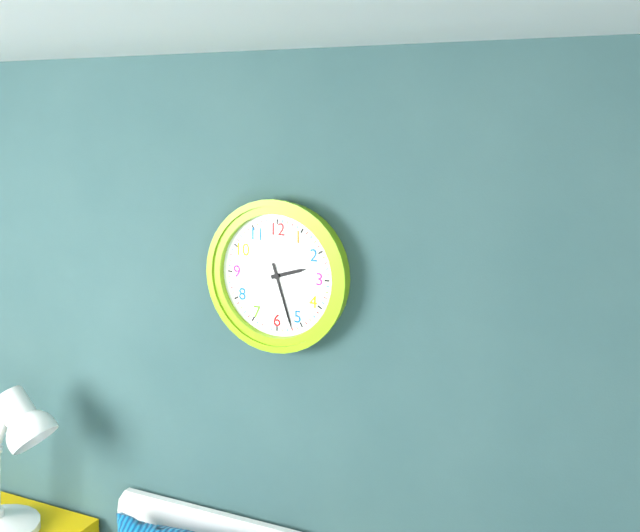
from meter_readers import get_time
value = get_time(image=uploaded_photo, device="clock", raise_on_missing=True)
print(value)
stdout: 2:27
